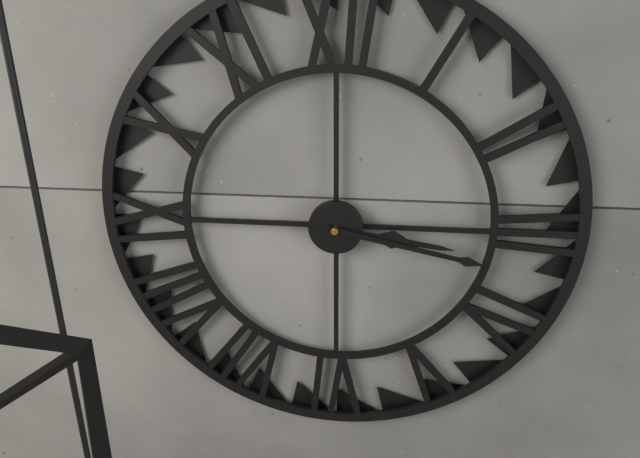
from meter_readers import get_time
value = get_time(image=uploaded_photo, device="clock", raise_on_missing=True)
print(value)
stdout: 3:17
